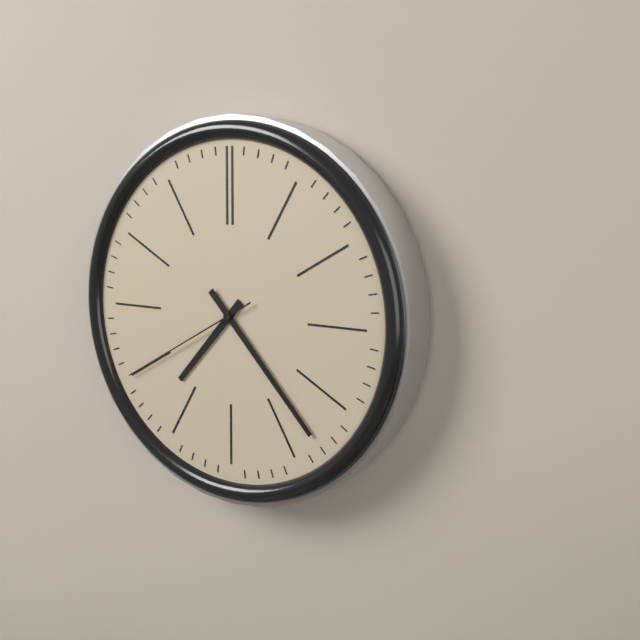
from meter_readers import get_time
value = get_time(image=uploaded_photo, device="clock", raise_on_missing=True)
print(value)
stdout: 7:23:40
